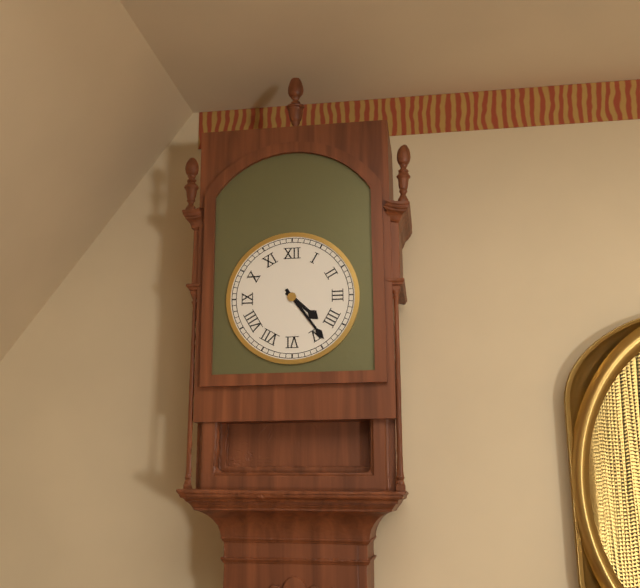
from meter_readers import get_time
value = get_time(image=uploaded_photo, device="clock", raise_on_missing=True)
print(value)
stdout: 4:24
